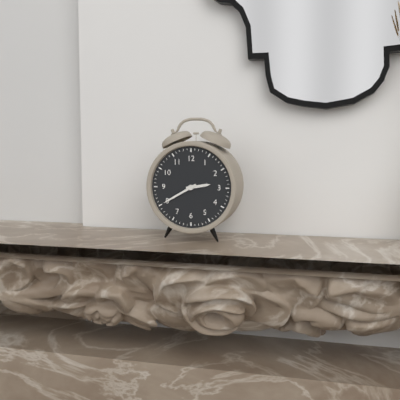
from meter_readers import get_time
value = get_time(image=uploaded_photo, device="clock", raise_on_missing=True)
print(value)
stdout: 2:40
